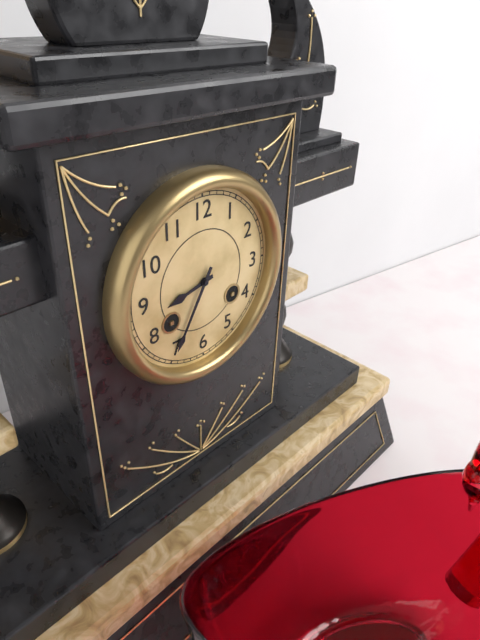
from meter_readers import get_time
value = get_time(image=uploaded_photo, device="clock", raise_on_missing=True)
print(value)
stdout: 8:35
